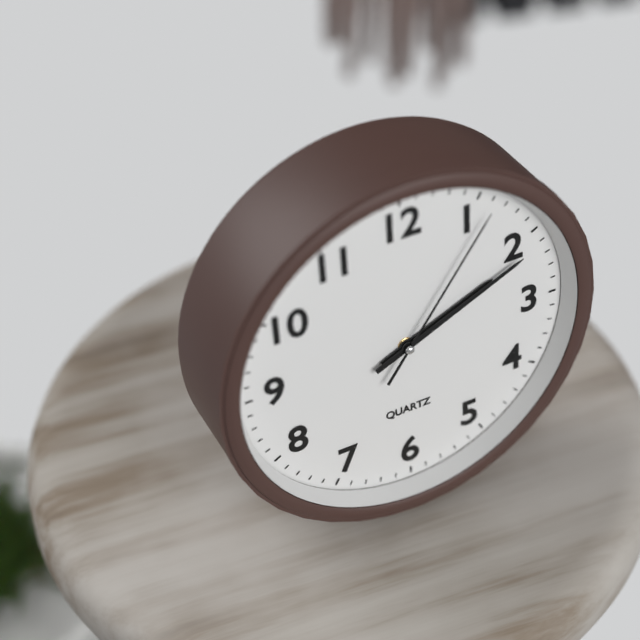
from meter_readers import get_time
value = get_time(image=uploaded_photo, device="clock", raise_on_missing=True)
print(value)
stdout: 2:11:06
